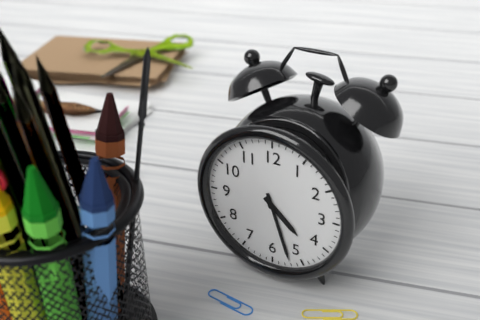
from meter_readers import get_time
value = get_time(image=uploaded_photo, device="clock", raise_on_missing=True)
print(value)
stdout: 4:27
